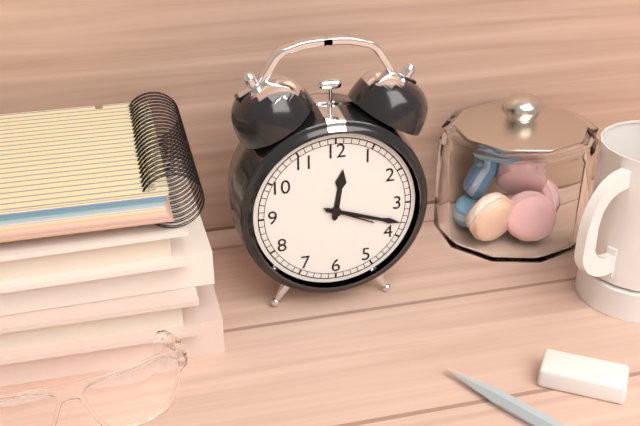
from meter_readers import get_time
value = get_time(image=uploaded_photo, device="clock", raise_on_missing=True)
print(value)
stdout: 12:18:19
